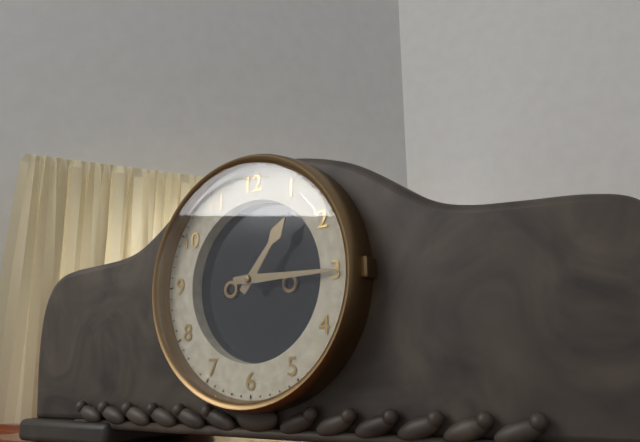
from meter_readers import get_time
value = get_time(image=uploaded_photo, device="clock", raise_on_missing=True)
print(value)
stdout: 1:15
